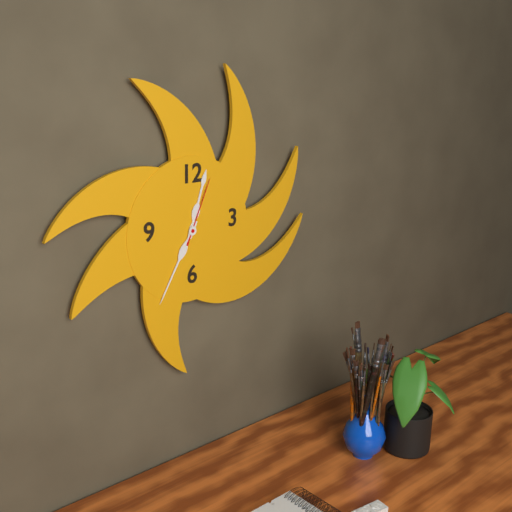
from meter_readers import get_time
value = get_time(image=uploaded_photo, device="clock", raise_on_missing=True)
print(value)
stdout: 12:35:04
